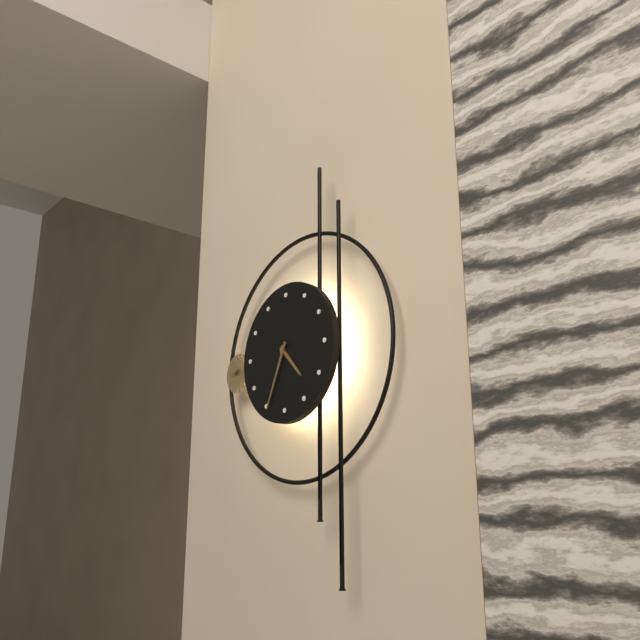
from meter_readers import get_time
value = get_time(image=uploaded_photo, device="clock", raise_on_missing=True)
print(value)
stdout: 4:34
